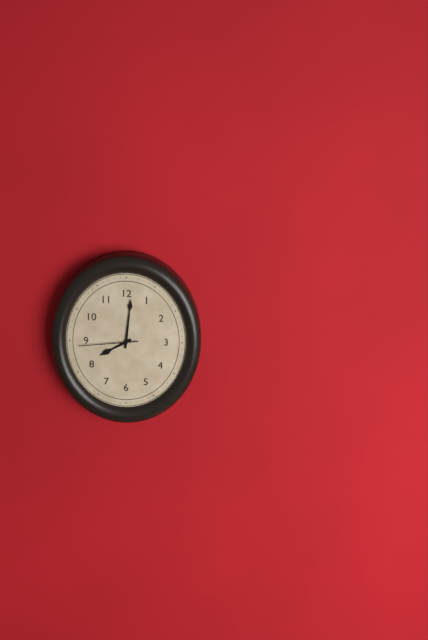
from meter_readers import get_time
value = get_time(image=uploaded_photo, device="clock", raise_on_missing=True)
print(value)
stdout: 8:01:44
